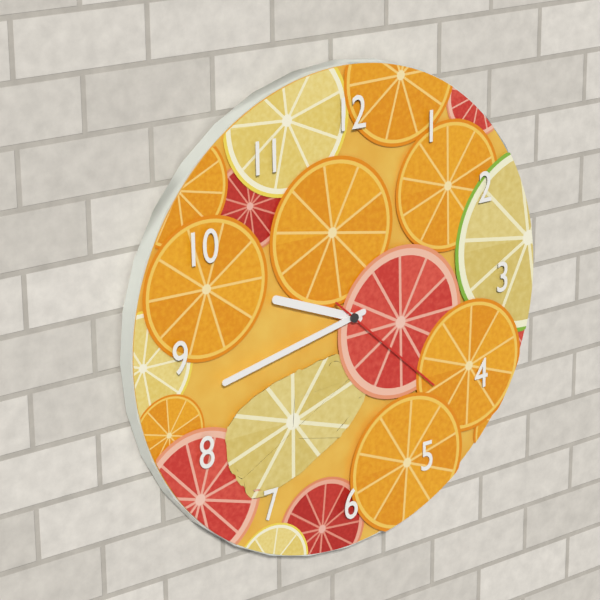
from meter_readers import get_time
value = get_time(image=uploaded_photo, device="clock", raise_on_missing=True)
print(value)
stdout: 9:43:22
